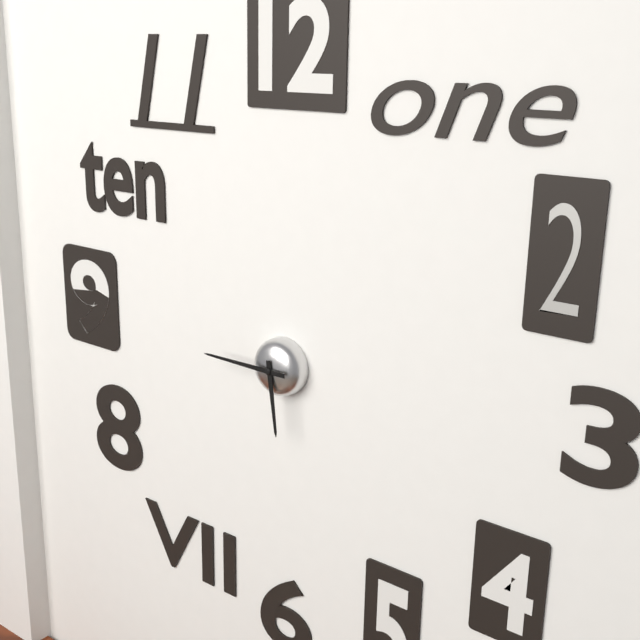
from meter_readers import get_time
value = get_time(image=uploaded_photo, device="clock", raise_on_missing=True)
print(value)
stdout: 5:45
